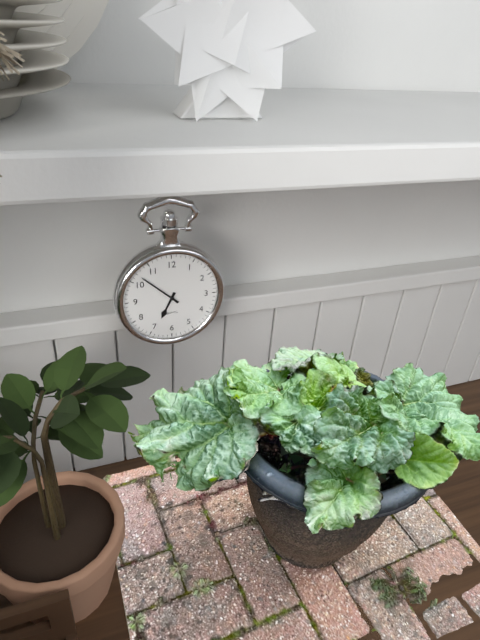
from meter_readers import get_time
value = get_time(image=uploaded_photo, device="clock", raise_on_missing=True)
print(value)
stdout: 6:52
